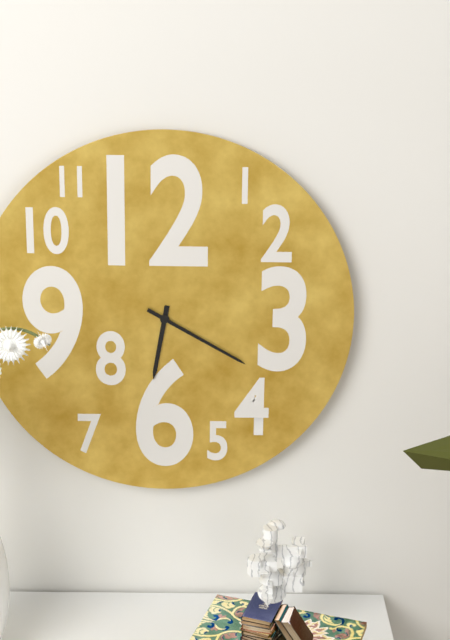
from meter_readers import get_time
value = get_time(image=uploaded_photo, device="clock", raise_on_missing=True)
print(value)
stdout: 6:20
